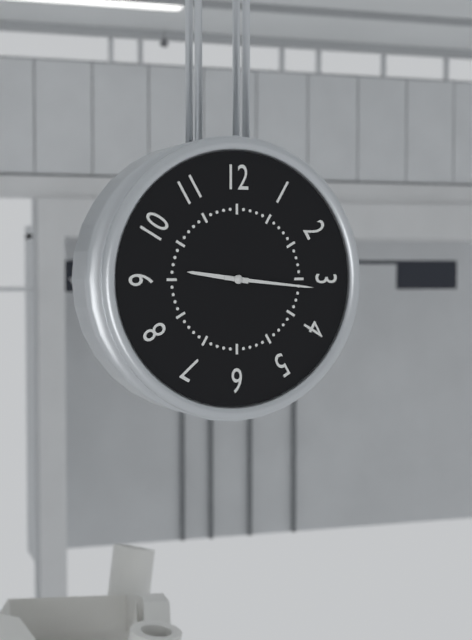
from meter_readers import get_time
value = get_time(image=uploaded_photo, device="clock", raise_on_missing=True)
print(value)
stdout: 9:16
